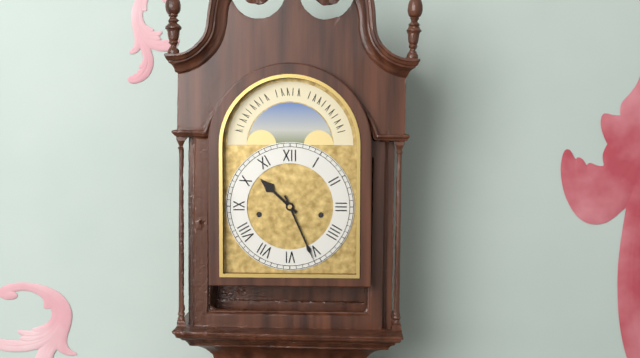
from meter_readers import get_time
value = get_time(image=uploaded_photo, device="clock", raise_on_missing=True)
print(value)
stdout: 10:26
